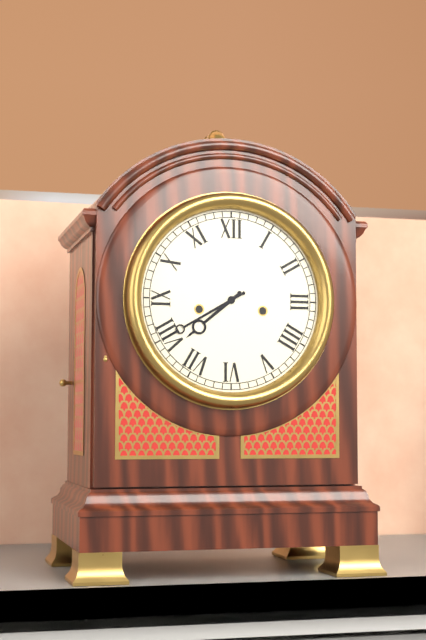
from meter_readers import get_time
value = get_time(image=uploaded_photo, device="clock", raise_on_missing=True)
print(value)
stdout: 7:40
